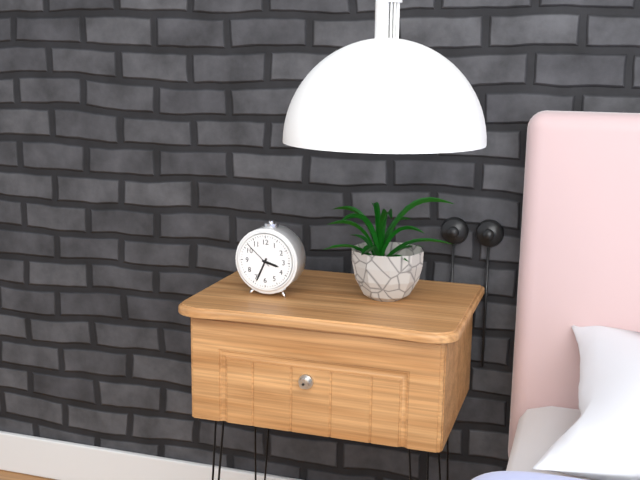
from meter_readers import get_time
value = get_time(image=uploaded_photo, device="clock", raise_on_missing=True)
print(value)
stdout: 3:34
